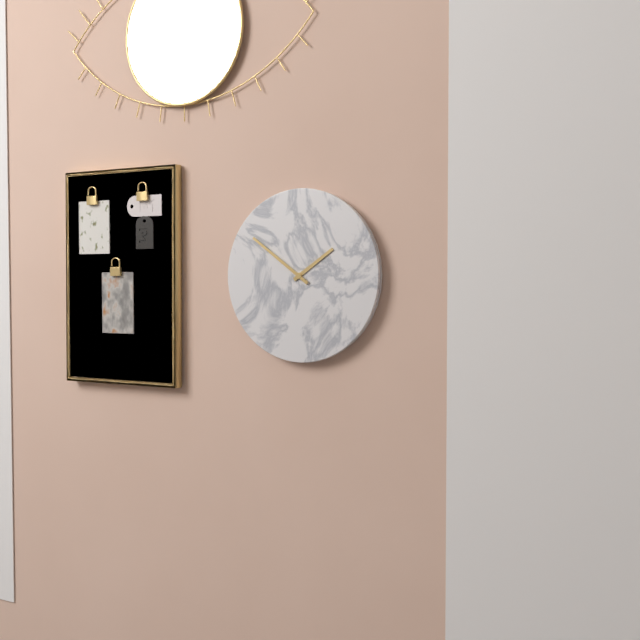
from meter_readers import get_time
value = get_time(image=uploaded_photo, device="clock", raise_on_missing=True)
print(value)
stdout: 1:51
